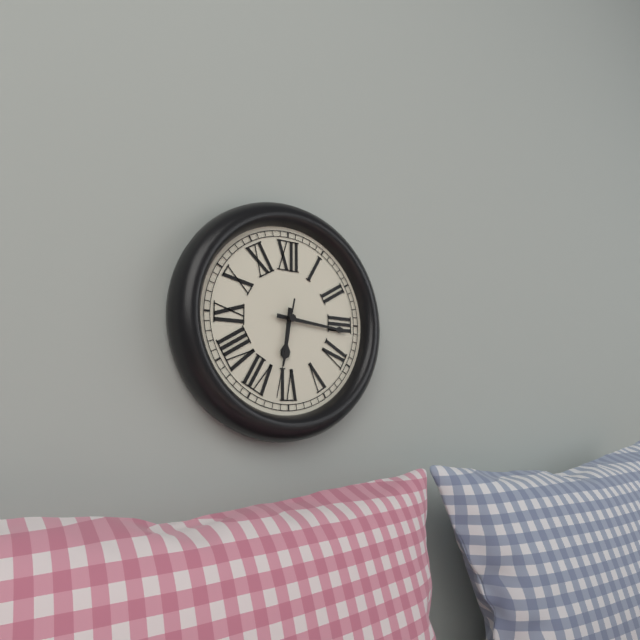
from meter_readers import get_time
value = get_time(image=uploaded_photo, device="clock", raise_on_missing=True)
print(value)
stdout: 6:16:32
